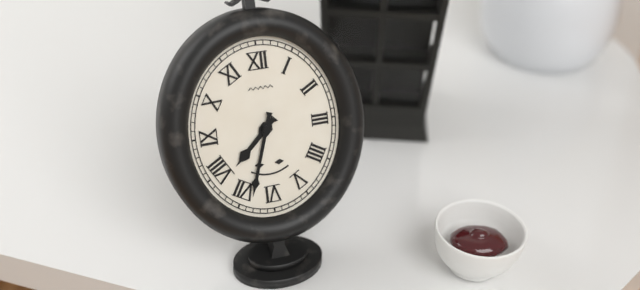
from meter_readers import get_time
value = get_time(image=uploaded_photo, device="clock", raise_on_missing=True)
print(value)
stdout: 7:33
